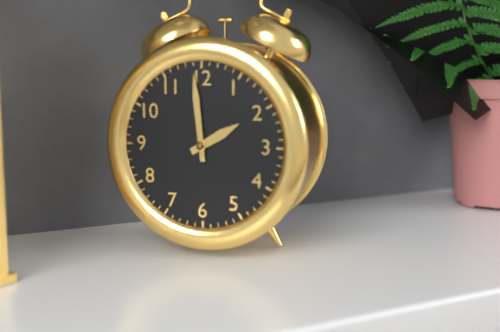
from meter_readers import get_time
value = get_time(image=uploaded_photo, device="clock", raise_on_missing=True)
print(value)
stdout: 1:59
